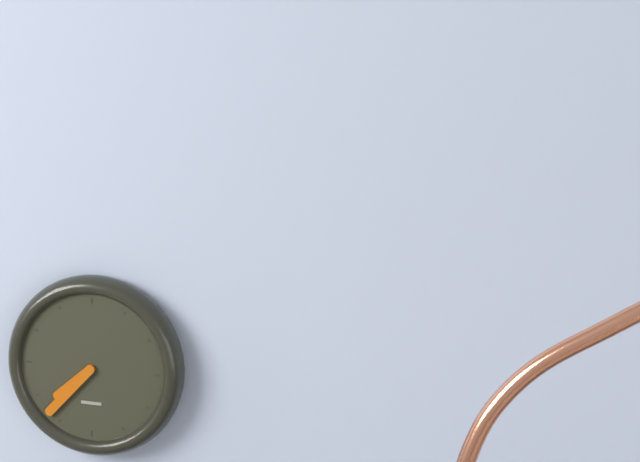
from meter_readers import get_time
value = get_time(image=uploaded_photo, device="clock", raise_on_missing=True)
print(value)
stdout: 7:37
